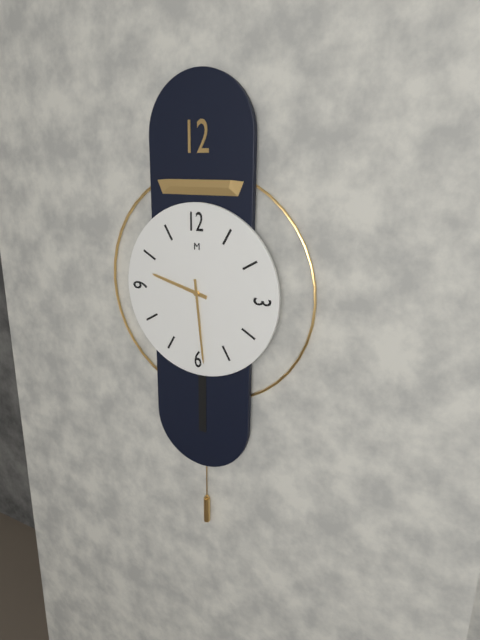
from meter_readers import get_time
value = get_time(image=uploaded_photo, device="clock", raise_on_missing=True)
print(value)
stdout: 9:29
